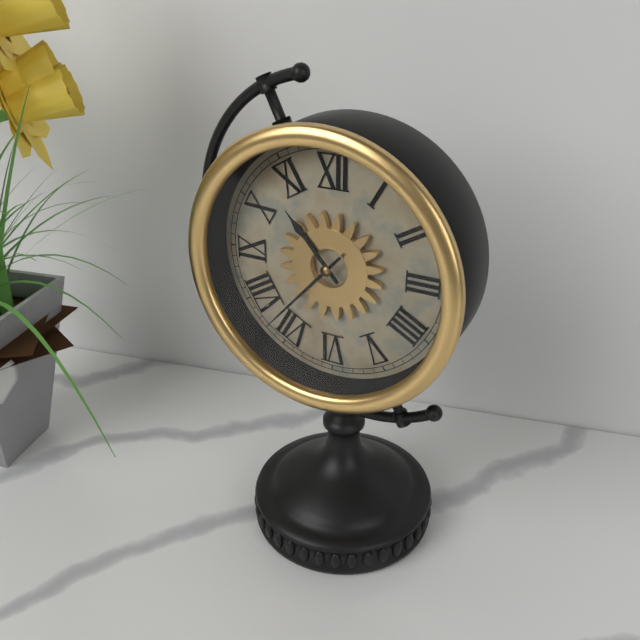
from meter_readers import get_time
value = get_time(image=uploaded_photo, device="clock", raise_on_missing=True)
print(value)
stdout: 10:37
